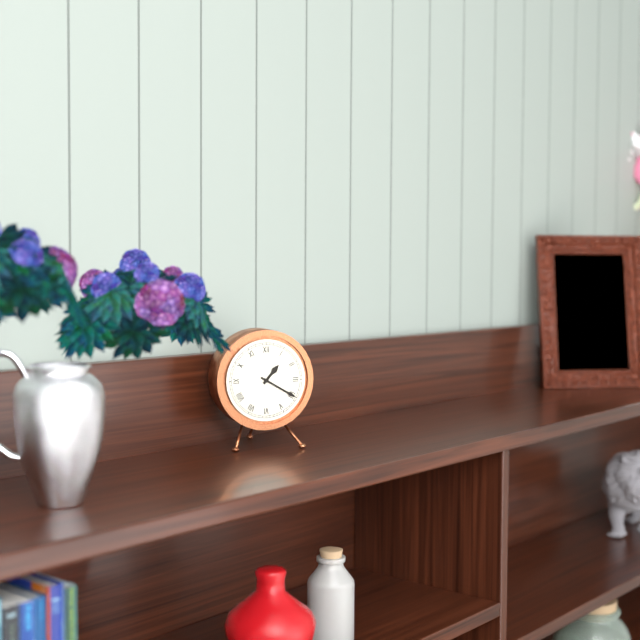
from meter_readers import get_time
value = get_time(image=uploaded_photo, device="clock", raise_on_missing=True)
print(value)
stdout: 1:20
